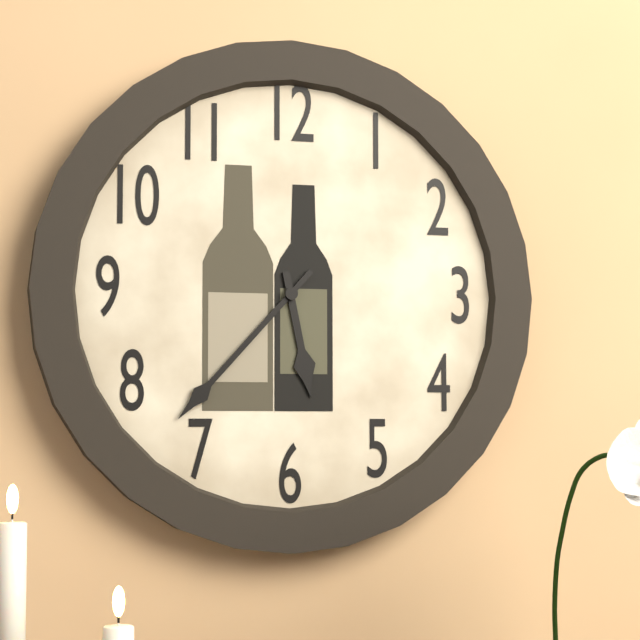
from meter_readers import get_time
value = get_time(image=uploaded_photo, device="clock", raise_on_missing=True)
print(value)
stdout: 5:37
